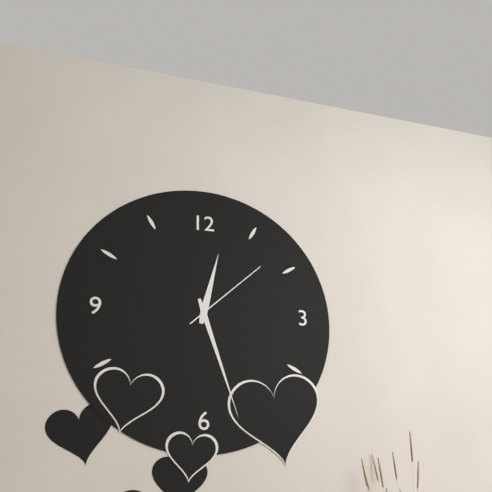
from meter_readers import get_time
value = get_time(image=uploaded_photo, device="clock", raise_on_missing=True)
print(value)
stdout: 12:27:08
